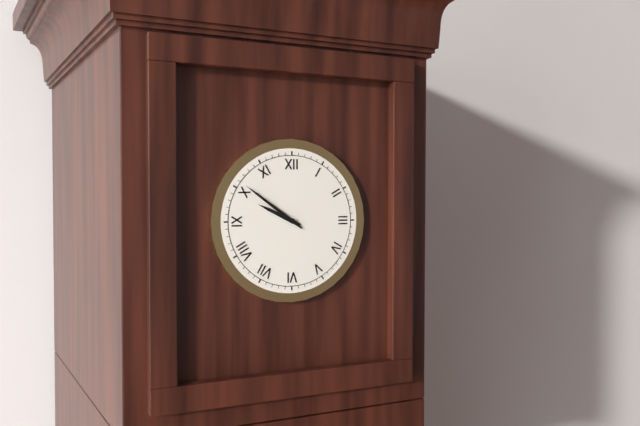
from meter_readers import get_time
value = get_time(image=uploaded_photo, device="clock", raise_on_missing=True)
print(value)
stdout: 9:51
